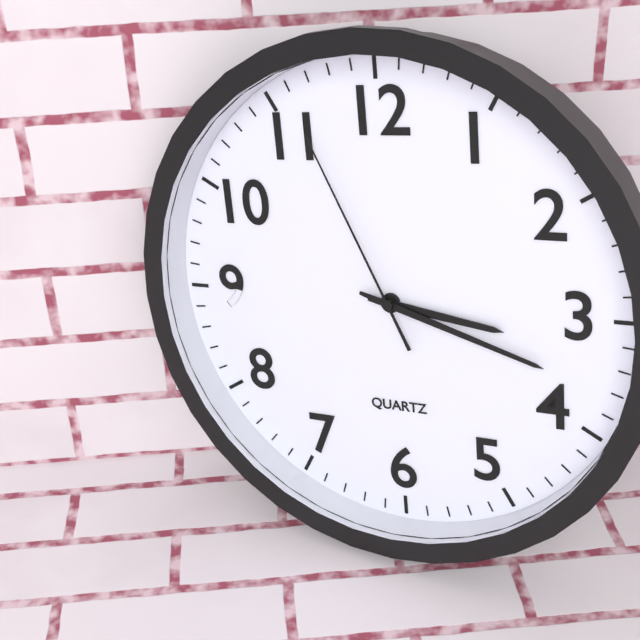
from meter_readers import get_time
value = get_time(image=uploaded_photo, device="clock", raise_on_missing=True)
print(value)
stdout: 3:18:56
